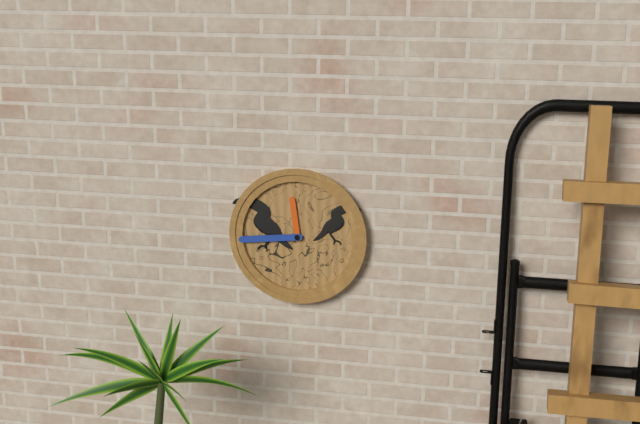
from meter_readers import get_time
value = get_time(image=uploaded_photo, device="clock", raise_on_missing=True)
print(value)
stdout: 11:44
